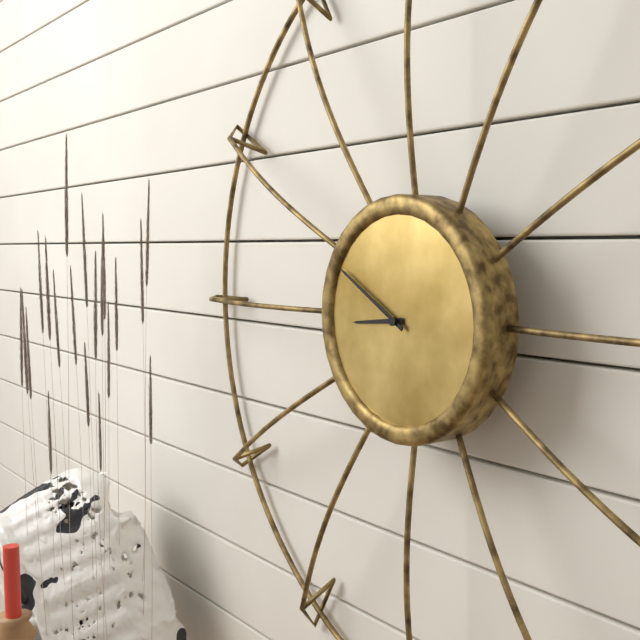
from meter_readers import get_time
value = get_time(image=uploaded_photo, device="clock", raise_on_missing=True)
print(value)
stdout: 8:50
